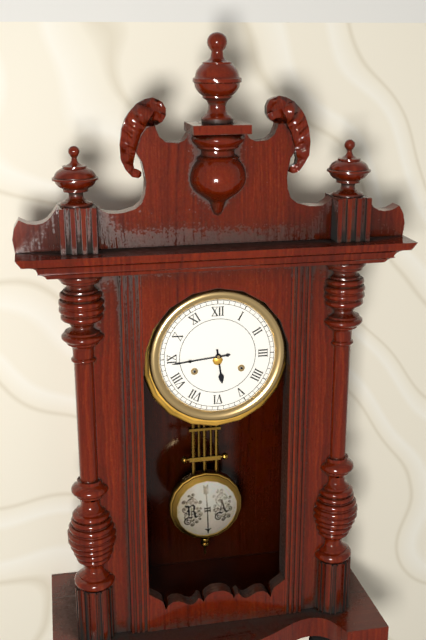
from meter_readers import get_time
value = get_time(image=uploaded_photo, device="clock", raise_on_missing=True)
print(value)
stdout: 5:44
